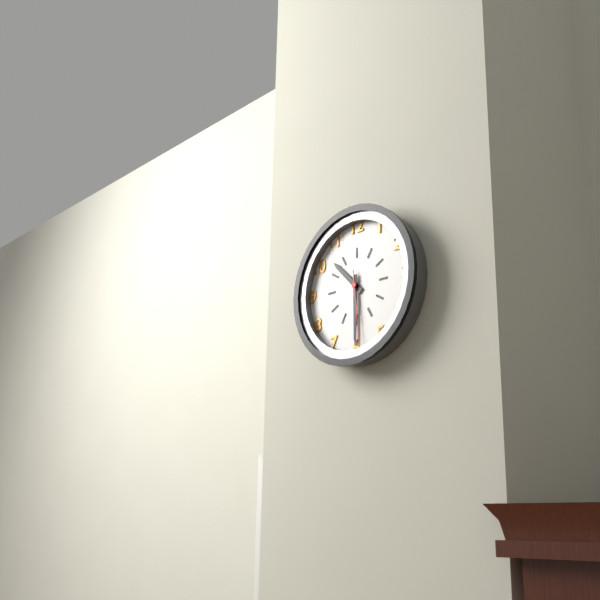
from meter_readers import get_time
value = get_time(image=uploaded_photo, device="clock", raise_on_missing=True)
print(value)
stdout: 10:30:29
